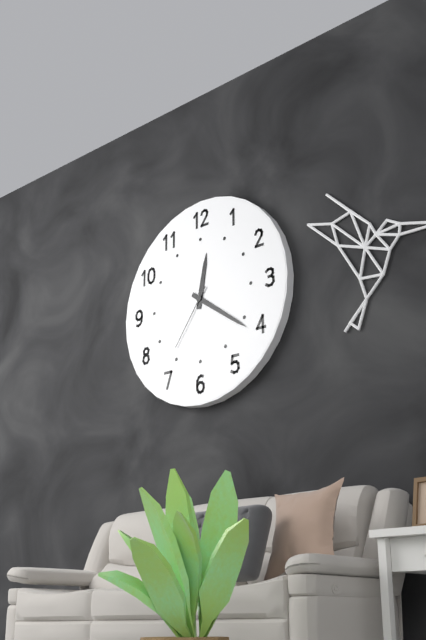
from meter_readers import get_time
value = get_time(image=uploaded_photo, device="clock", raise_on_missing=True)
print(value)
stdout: 12:21:36
